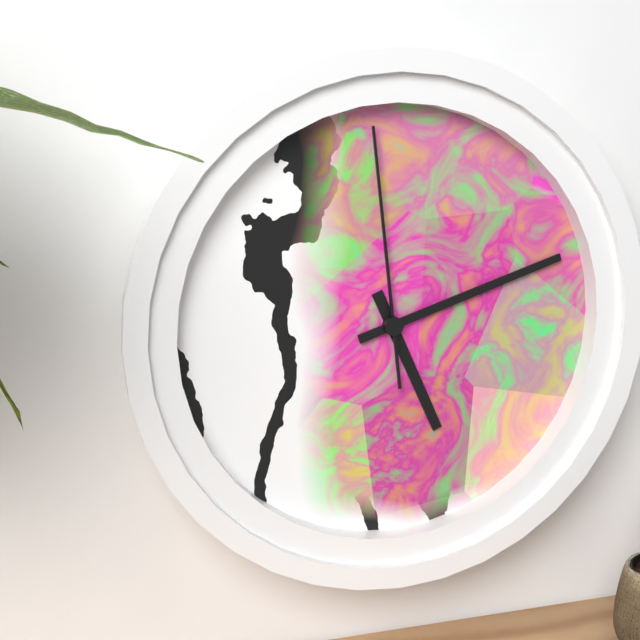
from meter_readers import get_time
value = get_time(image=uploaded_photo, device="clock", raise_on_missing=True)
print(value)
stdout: 5:12:59
